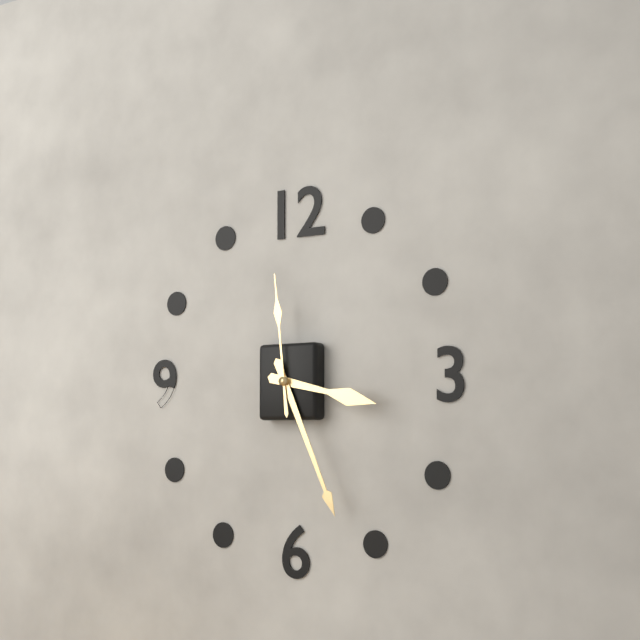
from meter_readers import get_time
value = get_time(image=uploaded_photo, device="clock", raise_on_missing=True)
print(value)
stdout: 3:26:59
